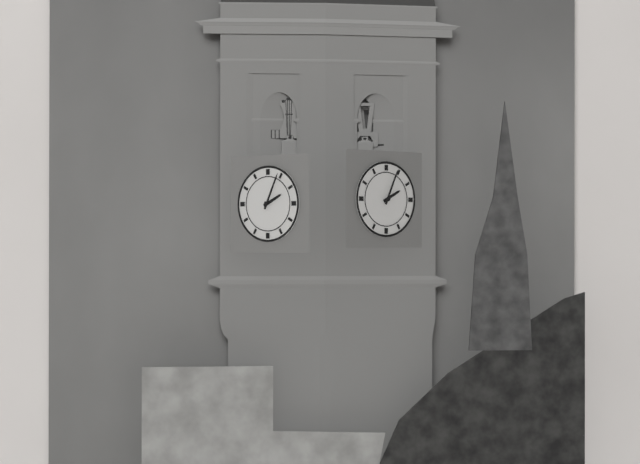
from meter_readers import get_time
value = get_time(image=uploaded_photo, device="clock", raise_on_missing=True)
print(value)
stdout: 2:04
